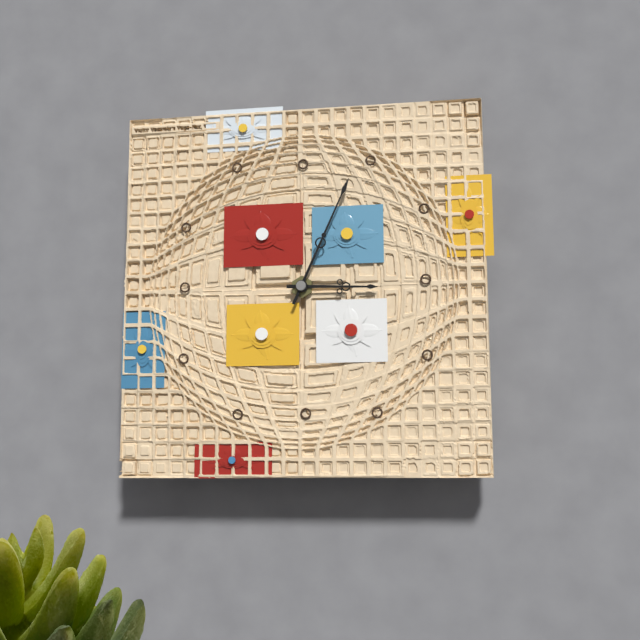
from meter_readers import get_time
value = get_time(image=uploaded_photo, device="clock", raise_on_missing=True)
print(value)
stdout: 3:04
